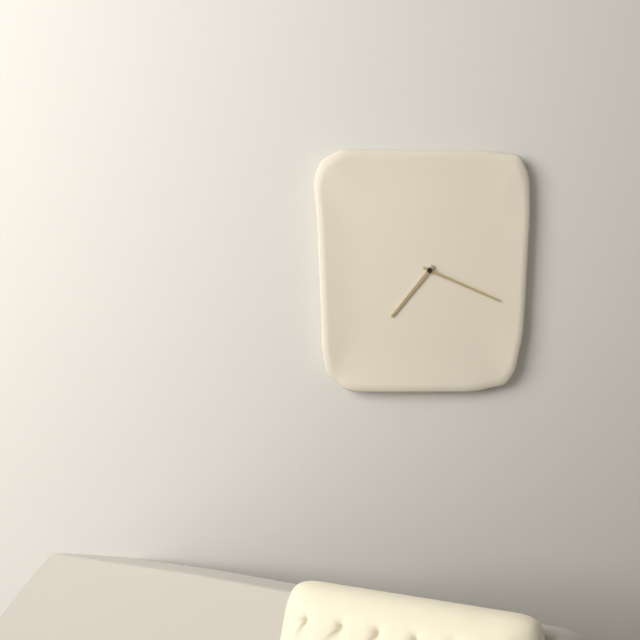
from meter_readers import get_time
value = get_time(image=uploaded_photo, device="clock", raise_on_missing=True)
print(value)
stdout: 7:19
